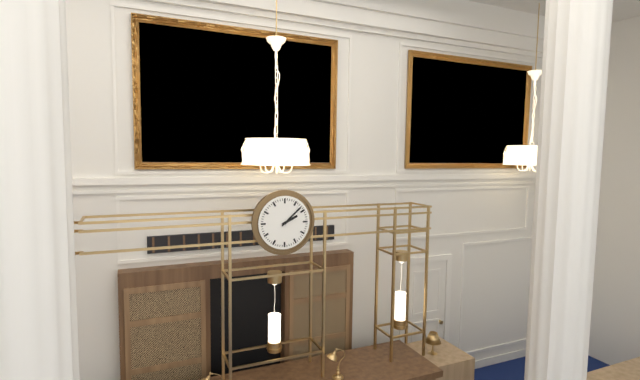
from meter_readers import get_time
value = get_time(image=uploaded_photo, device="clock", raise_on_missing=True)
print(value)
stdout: 2:08
